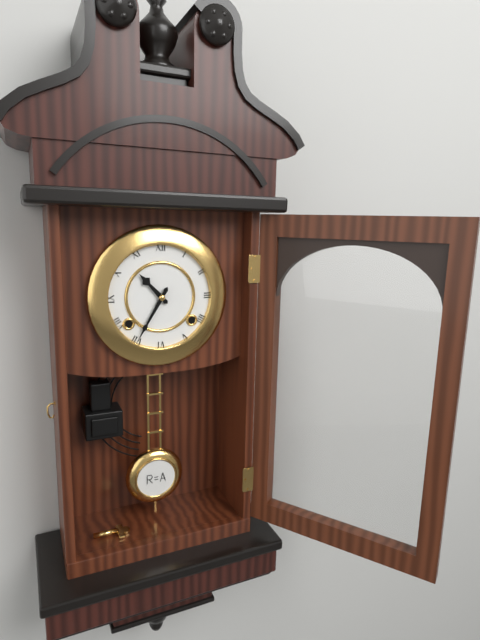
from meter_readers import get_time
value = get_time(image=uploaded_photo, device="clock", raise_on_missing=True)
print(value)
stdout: 10:35
